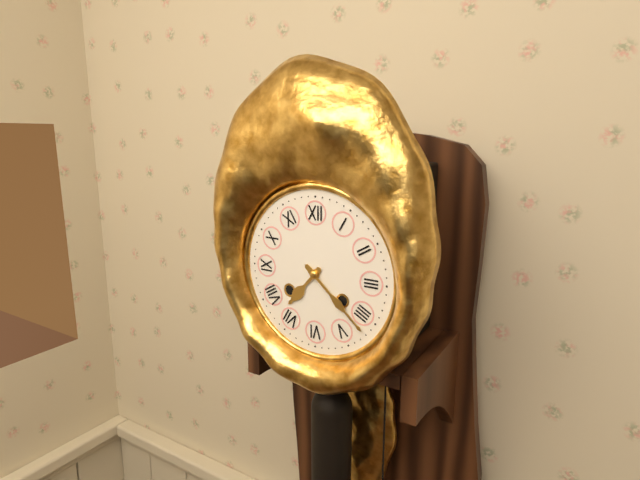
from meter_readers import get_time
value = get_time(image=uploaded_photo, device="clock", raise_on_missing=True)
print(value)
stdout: 7:22
